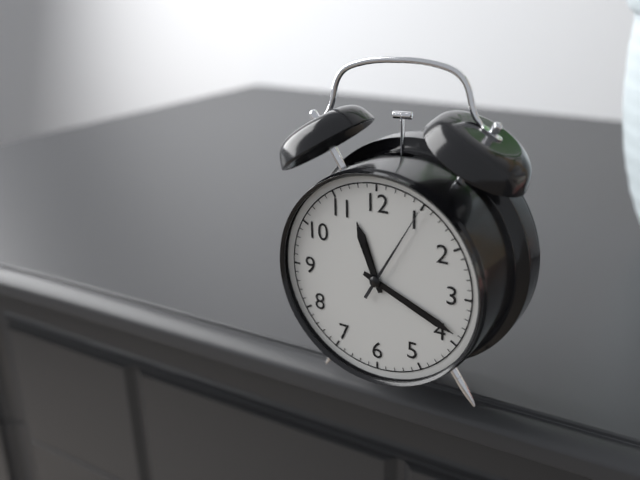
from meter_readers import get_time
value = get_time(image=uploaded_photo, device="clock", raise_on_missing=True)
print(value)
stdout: 11:19:05
